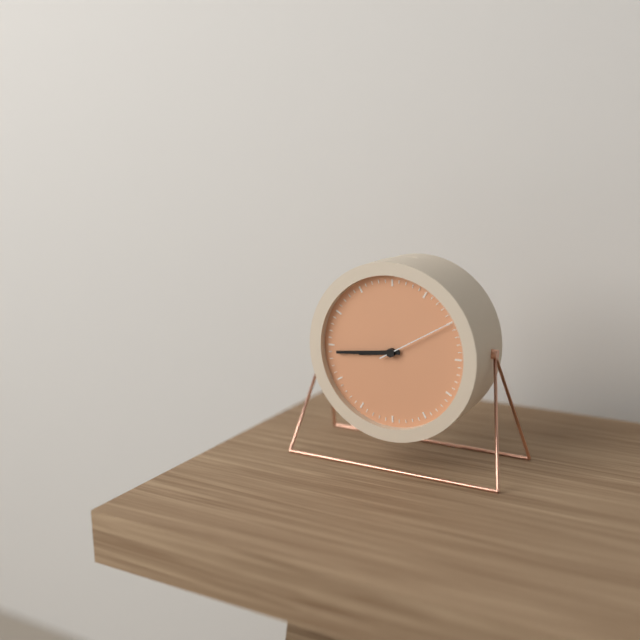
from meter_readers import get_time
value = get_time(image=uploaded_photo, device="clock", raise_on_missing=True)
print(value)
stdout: 8:44:10
